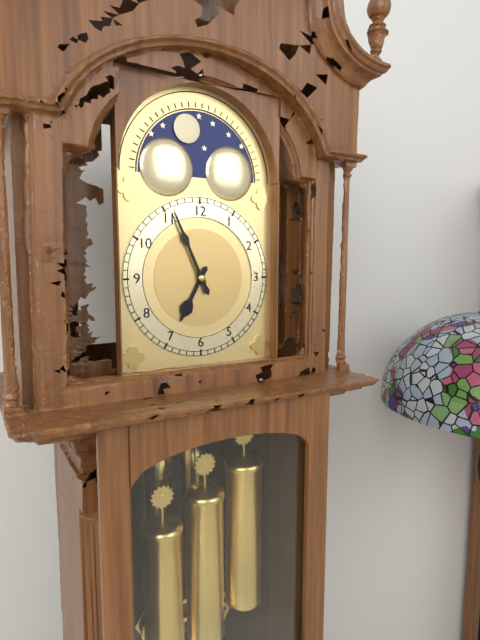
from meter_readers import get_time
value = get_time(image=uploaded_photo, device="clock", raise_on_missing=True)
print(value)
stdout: 6:56
